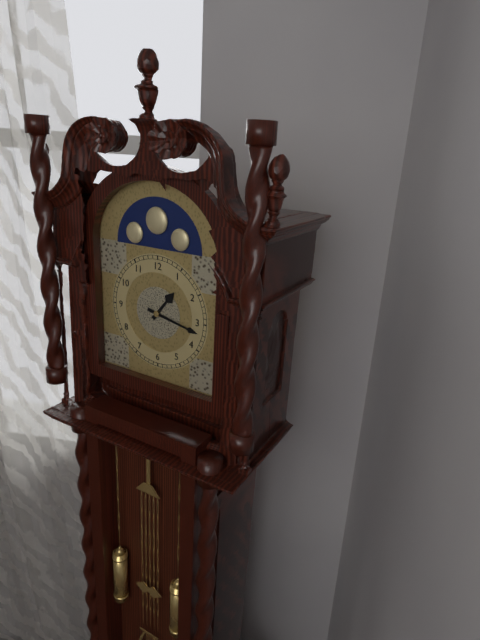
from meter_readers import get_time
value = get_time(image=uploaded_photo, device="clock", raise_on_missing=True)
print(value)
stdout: 1:17
